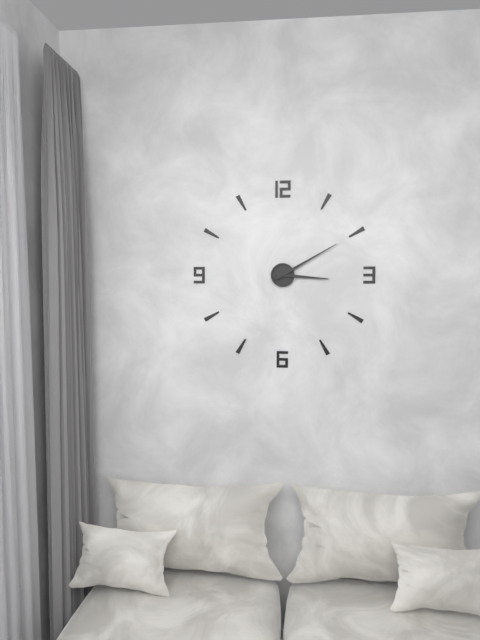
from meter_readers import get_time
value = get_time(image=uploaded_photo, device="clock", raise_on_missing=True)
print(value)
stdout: 3:10
